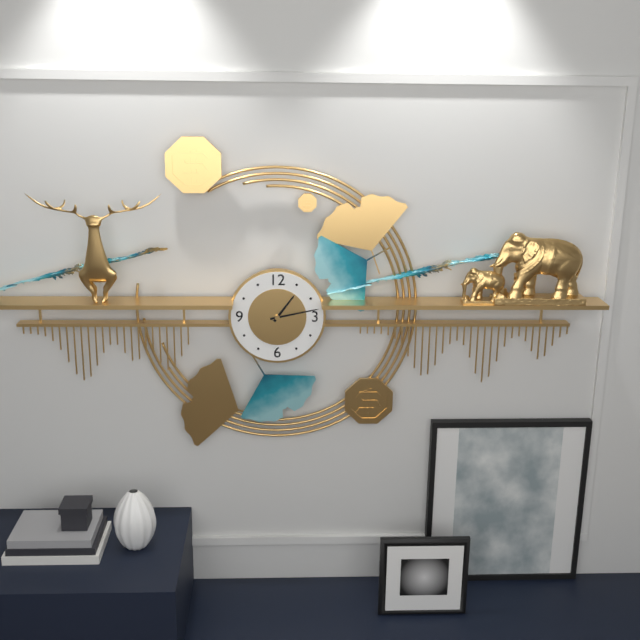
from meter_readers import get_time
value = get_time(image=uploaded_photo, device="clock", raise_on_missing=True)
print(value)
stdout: 1:13
